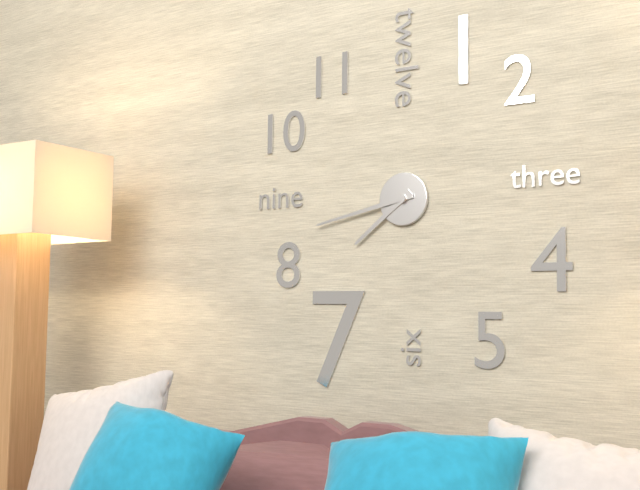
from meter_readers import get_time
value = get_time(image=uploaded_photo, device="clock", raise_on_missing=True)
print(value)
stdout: 7:43
